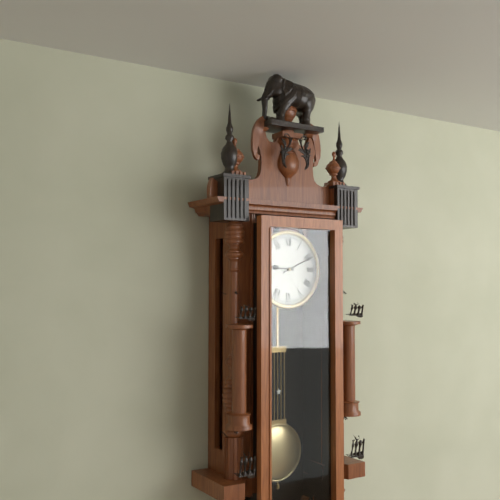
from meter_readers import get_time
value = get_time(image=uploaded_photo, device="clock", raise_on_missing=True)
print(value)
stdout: 9:11
